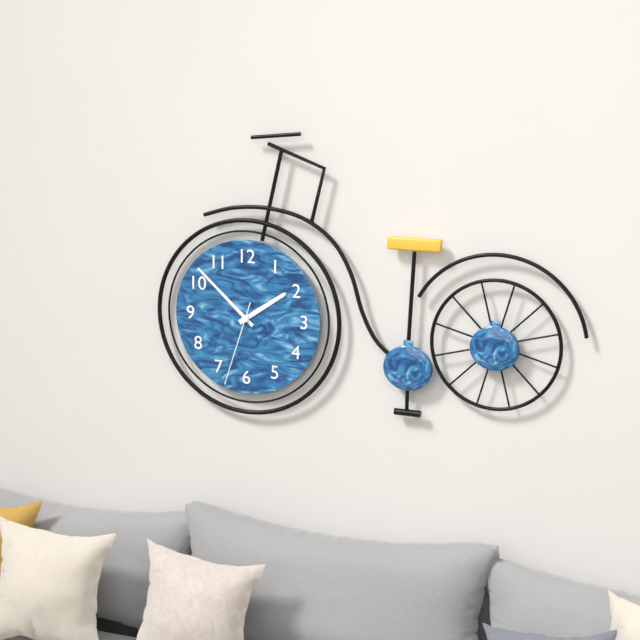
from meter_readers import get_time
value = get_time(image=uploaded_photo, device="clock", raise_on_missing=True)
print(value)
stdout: 1:52:33
